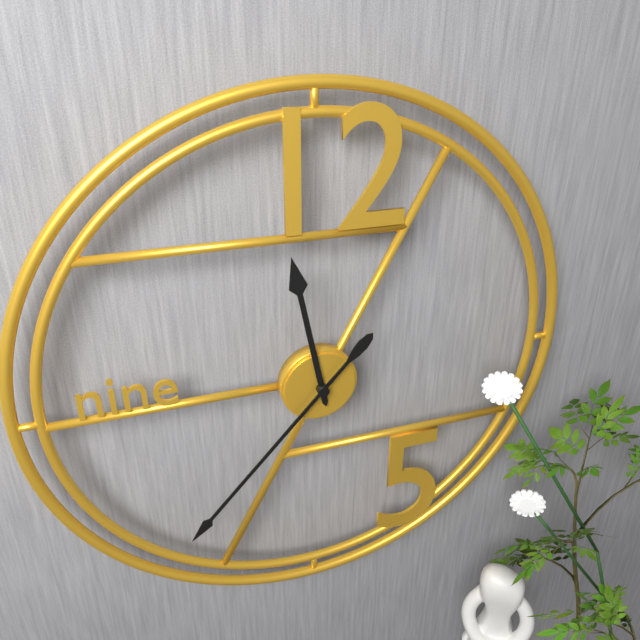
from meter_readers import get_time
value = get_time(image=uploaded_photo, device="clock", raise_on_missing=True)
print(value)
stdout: 11:37
